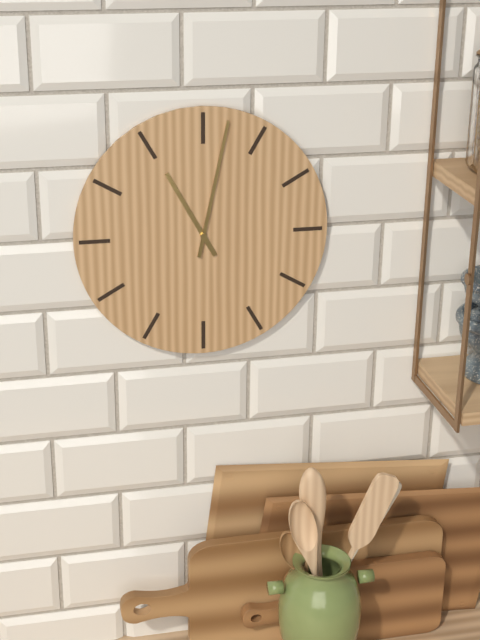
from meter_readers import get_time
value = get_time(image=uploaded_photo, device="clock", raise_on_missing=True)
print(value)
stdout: 11:02
